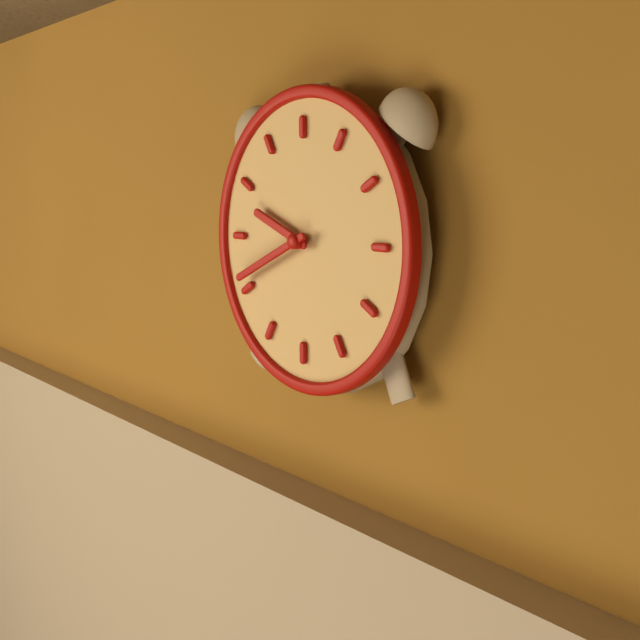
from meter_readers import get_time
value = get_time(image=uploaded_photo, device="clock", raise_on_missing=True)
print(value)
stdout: 9:41
